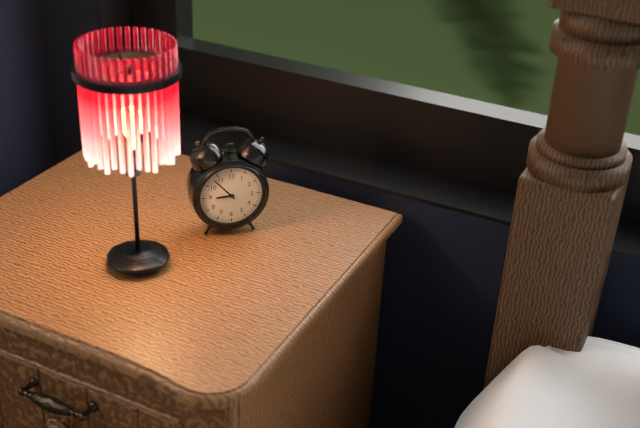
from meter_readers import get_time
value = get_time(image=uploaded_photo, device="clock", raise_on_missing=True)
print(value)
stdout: 8:53
